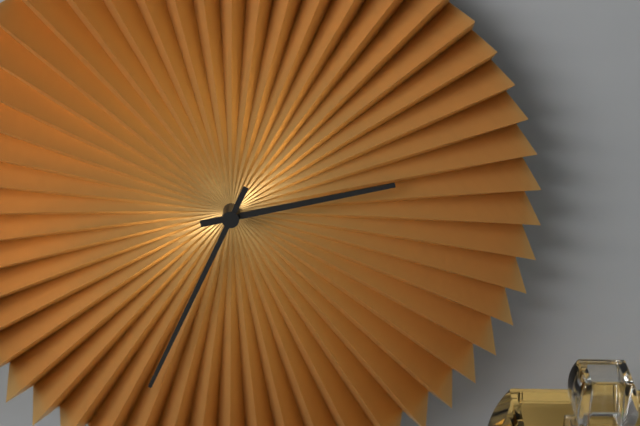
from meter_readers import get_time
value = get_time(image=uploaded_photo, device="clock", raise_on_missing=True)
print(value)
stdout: 2:34
